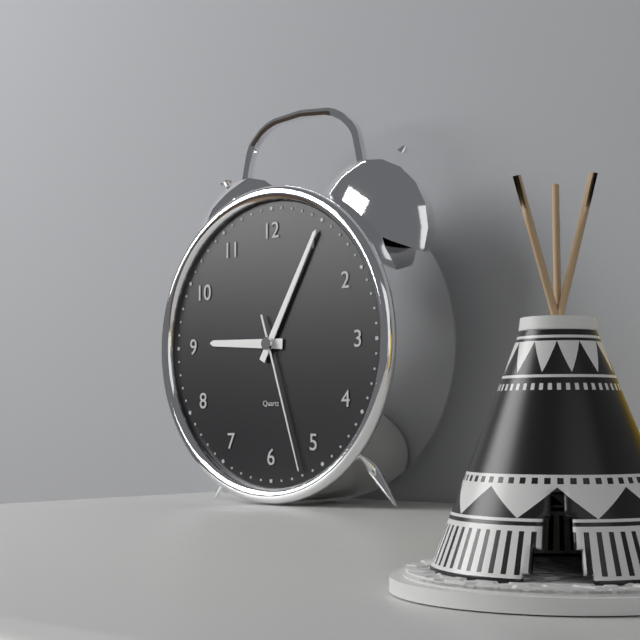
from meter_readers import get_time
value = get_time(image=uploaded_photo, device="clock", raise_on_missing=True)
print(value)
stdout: 9:05:27
